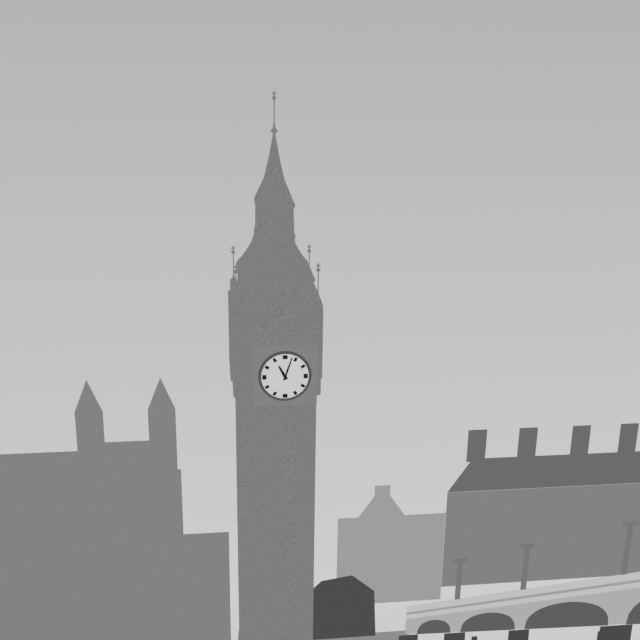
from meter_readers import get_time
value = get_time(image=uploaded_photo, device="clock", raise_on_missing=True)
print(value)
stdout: 11:03
